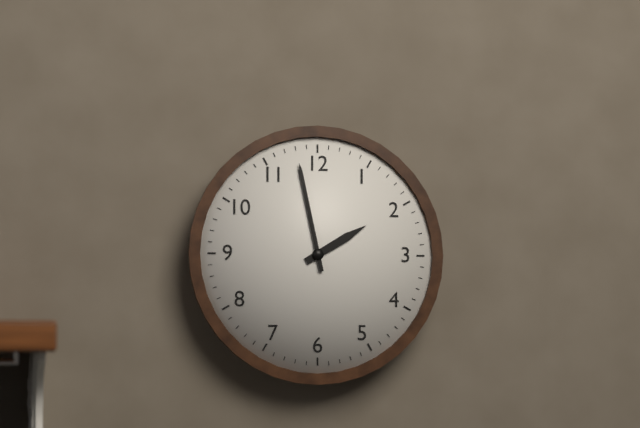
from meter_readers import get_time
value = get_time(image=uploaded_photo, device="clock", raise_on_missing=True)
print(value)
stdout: 1:58
